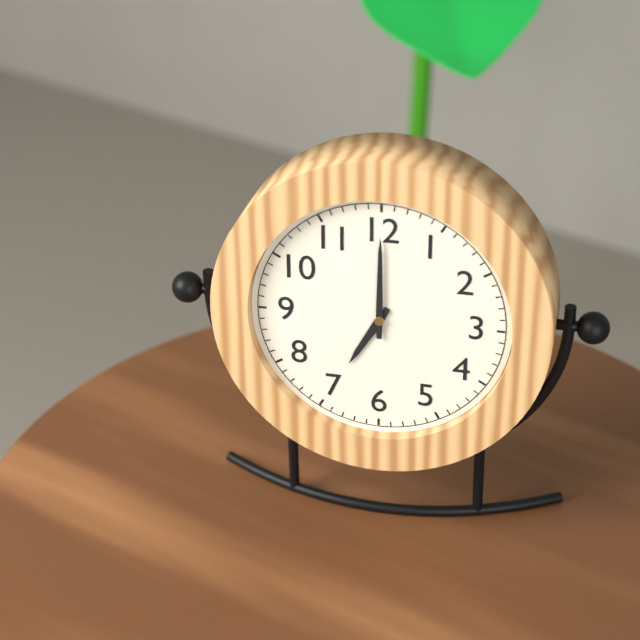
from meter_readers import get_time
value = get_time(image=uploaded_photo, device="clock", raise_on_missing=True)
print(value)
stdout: 7:00
